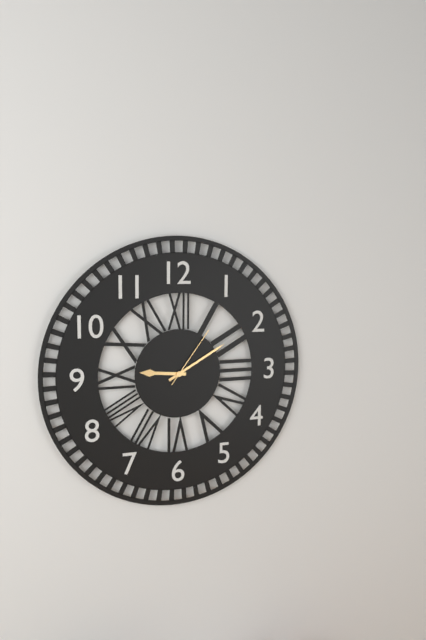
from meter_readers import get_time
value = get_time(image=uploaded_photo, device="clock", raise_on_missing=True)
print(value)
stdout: 9:10:06
